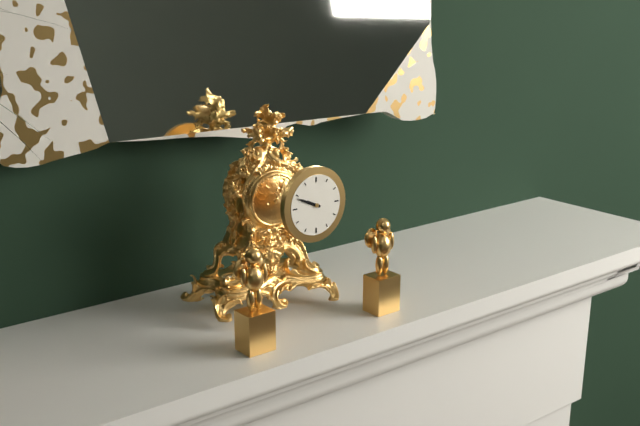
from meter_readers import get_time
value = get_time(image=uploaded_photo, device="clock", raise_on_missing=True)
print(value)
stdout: 9:49
